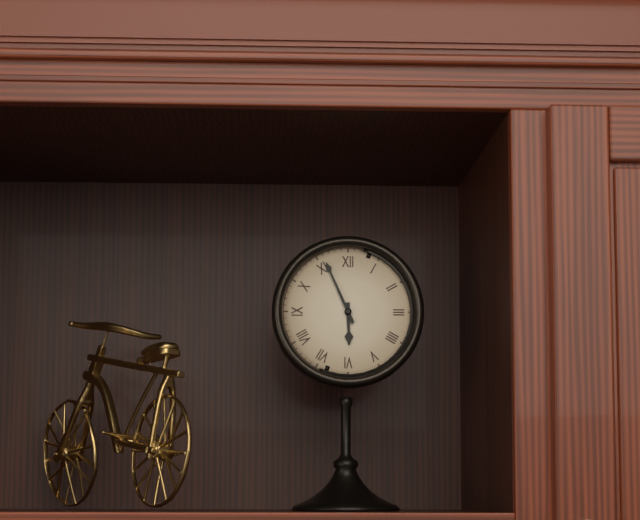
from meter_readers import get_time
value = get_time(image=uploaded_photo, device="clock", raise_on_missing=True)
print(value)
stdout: 5:56
